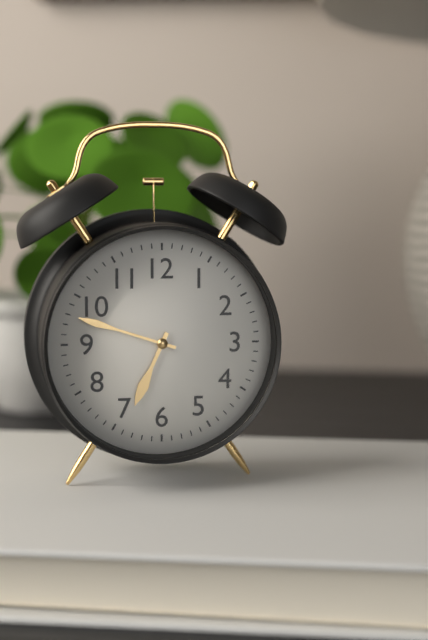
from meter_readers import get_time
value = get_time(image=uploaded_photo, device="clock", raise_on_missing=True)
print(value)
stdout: 6:48
